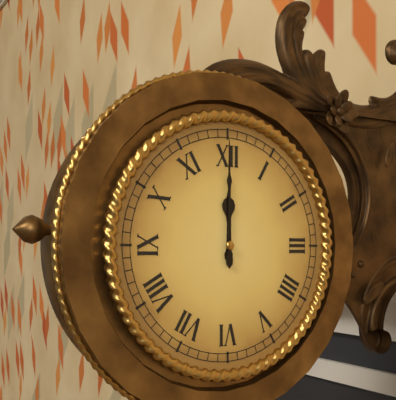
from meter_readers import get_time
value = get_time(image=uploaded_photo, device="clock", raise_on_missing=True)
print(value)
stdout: 12:00
